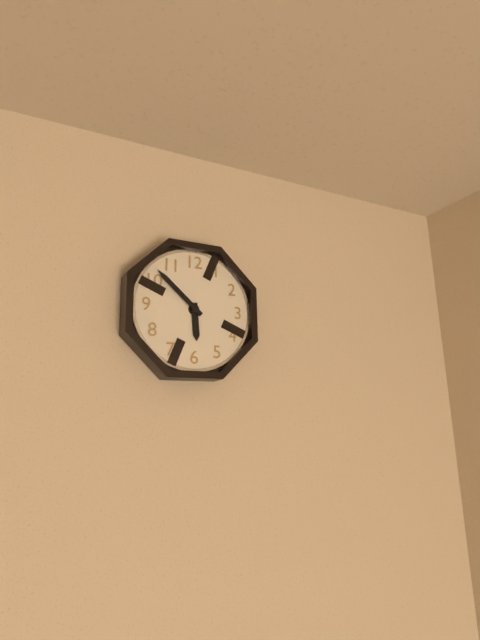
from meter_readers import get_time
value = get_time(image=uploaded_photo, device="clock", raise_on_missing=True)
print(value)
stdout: 5:52
